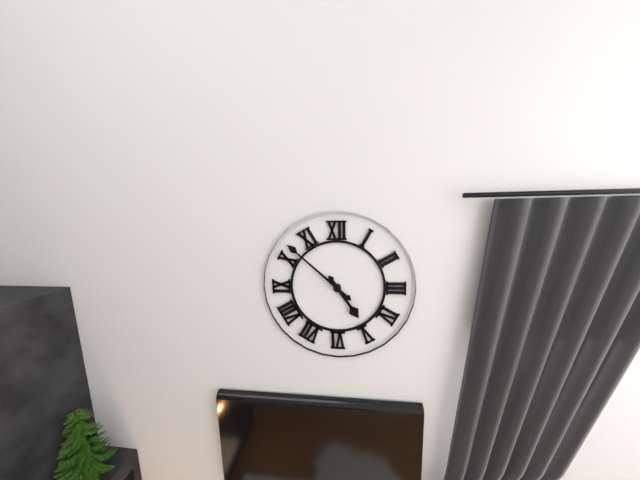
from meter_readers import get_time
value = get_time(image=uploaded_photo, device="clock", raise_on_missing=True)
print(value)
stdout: 4:52
